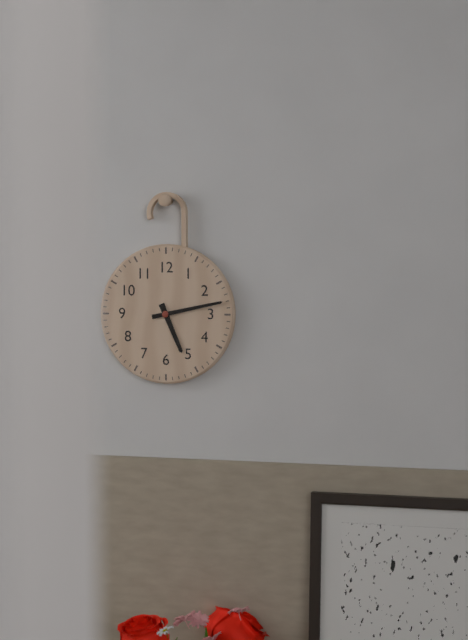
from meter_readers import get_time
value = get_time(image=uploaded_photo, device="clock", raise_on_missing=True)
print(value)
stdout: 5:13
